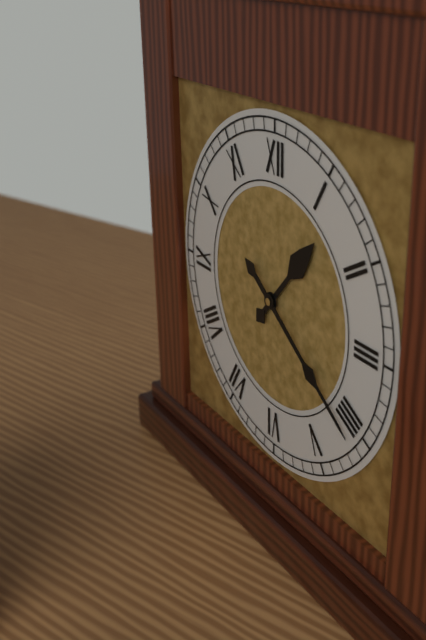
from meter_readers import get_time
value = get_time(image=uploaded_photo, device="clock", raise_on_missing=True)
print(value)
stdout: 1:21
